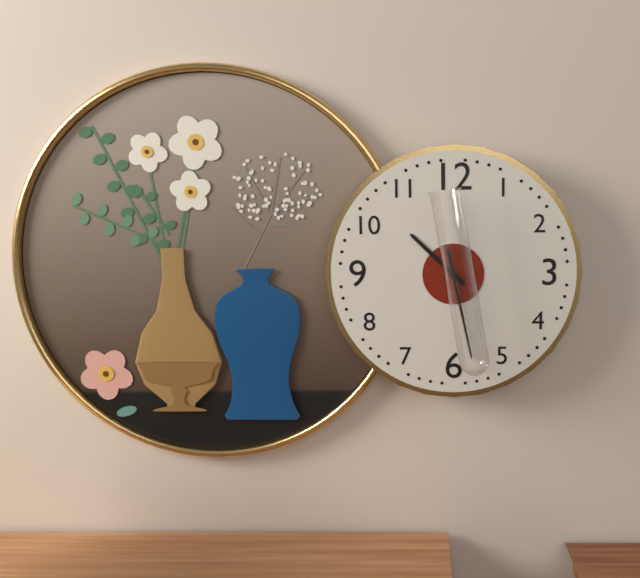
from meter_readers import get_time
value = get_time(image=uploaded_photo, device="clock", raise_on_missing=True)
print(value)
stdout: 10:28
